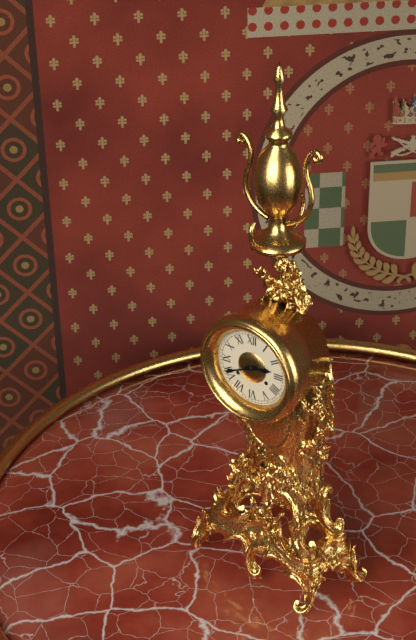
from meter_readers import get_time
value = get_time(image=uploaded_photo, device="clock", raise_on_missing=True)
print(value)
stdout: 2:41
